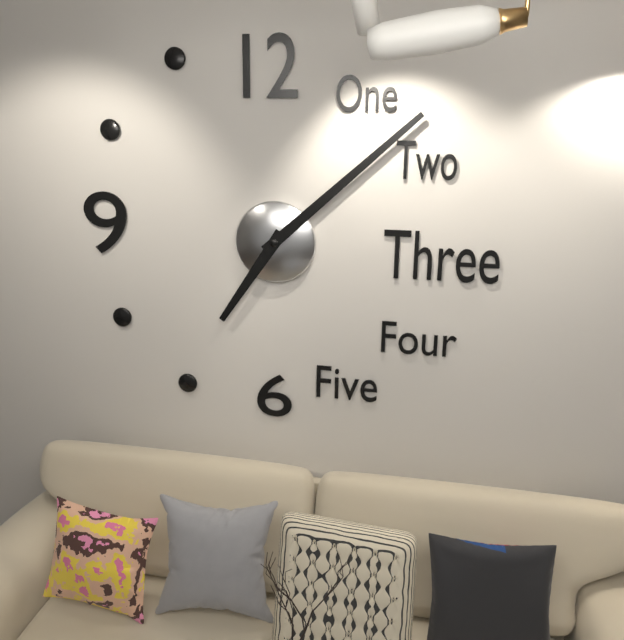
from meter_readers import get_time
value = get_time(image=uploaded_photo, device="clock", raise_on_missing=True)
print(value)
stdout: 7:08
